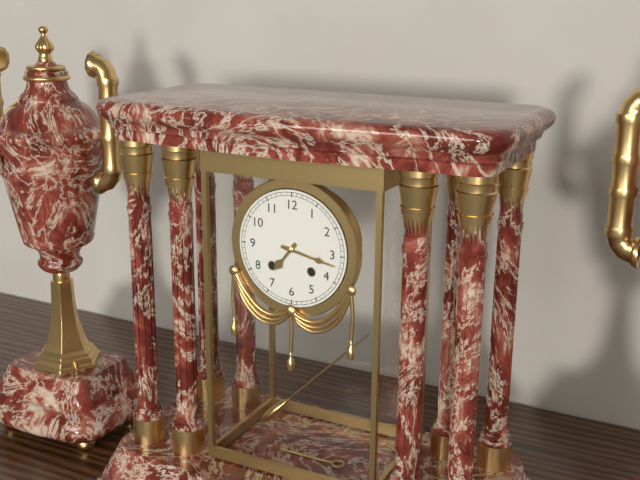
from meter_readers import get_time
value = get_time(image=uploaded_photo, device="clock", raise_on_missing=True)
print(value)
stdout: 7:17
